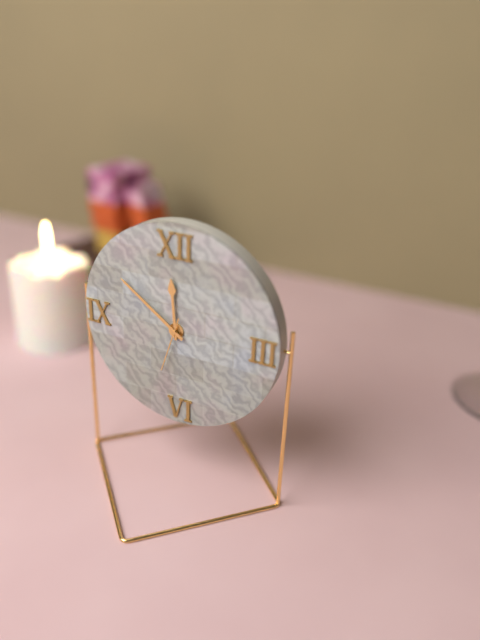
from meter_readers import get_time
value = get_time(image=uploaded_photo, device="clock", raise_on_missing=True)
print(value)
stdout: 11:51:33
